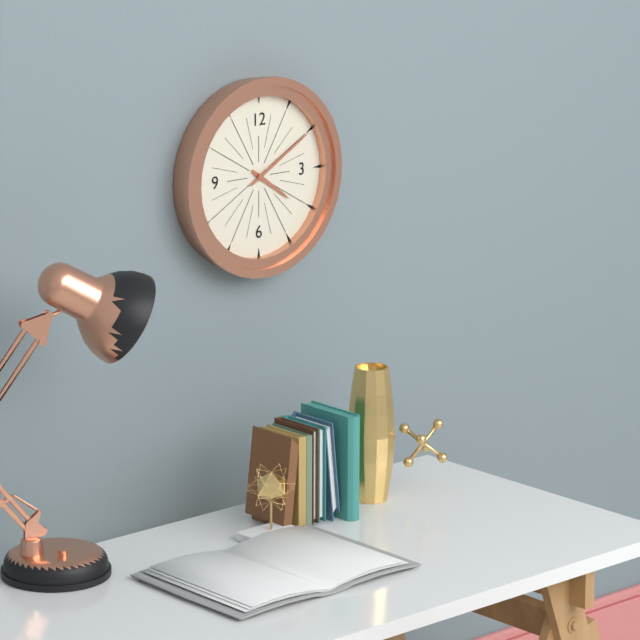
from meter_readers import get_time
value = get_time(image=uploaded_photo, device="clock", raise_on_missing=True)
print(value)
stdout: 4:10
